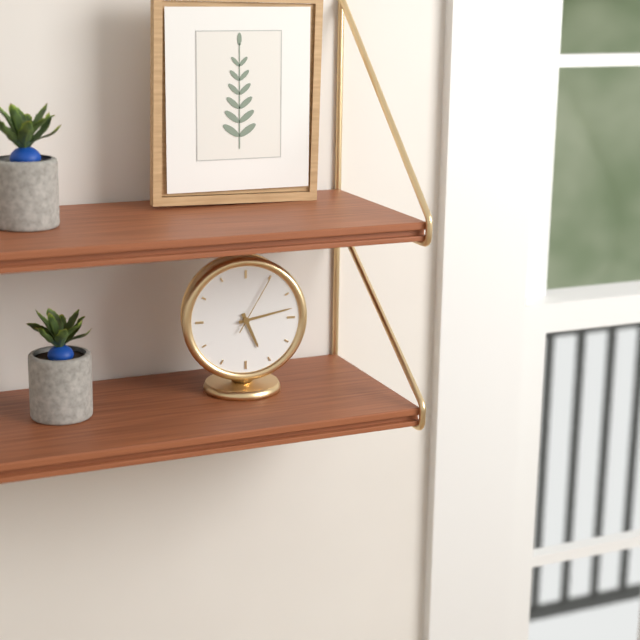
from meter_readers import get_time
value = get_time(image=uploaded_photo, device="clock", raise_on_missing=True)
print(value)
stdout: 5:13:05
